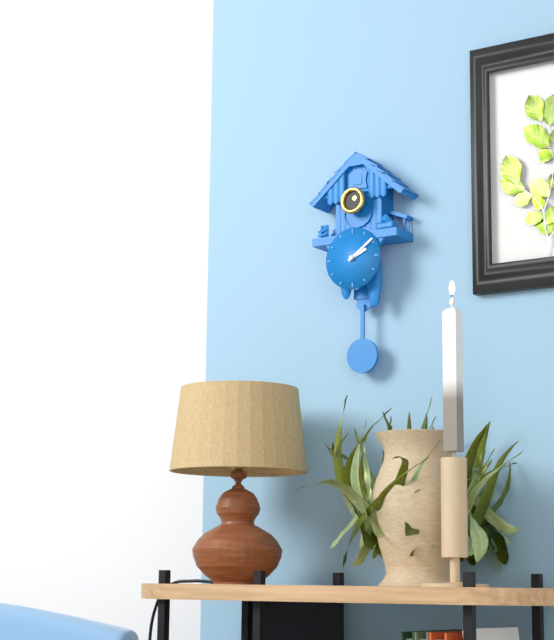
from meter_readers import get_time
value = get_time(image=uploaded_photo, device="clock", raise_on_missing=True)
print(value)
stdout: 2:09
